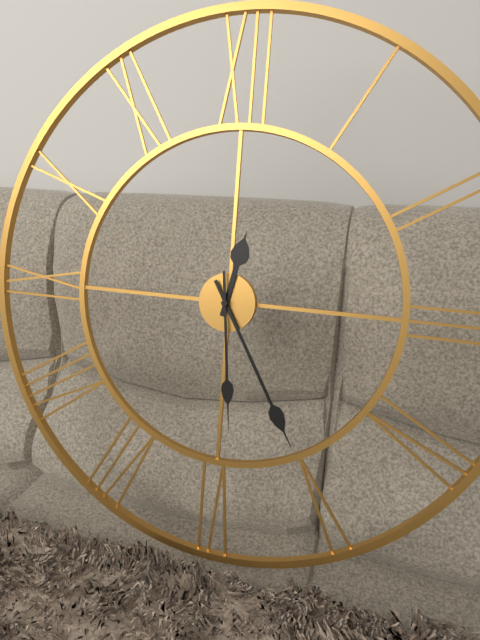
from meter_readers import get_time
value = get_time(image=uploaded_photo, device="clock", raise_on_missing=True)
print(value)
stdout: 12:25:29
